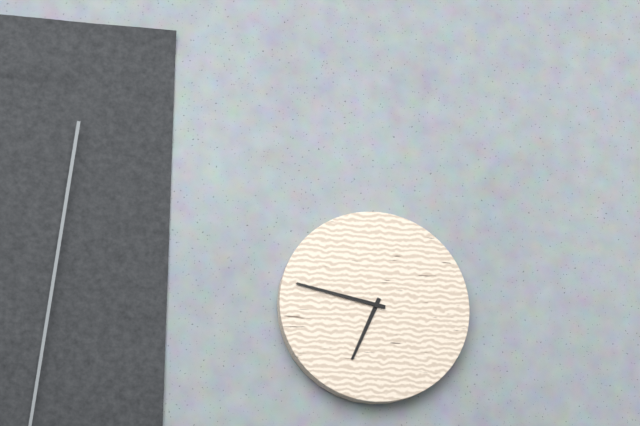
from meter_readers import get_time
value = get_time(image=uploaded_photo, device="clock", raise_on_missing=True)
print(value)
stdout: 6:47
